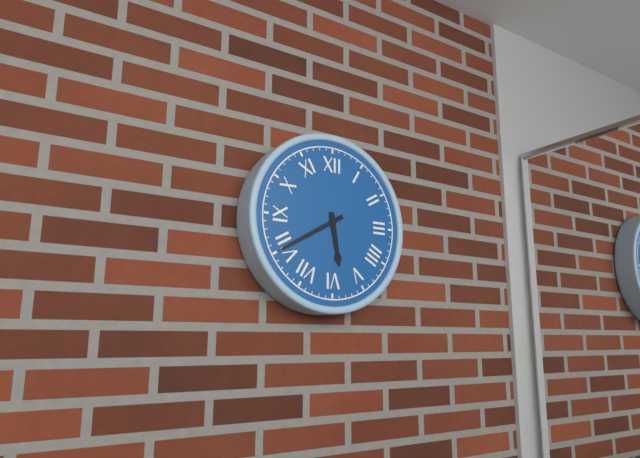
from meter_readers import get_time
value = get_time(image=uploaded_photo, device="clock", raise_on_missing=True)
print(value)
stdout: 5:40
